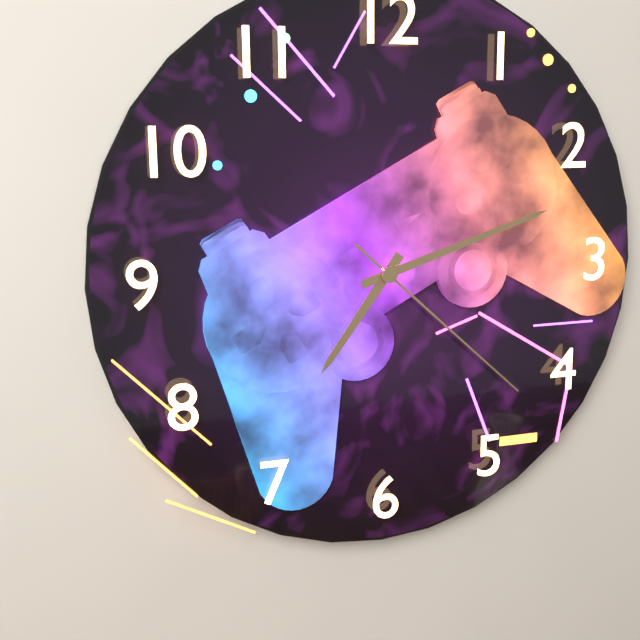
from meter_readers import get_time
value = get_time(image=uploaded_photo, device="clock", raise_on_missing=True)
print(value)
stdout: 7:12:22
